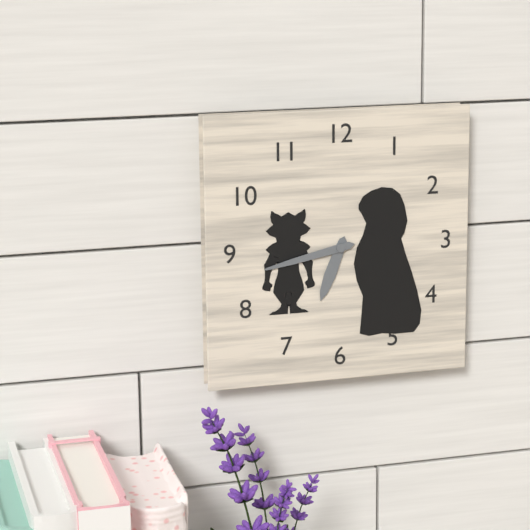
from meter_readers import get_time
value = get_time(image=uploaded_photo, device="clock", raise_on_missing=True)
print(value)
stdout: 6:43
